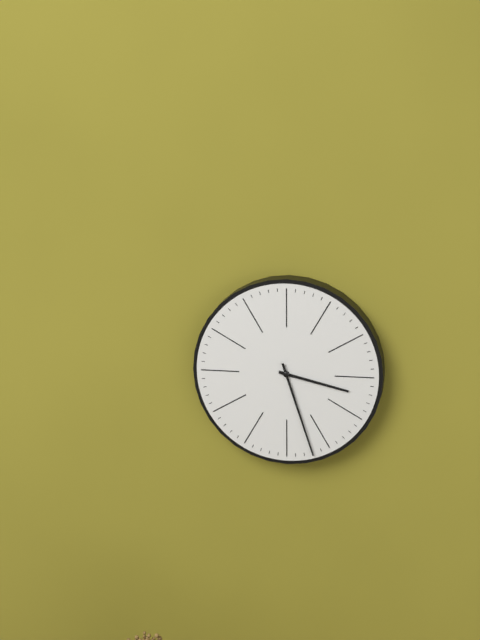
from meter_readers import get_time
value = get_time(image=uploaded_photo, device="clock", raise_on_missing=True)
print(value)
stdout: 3:27
